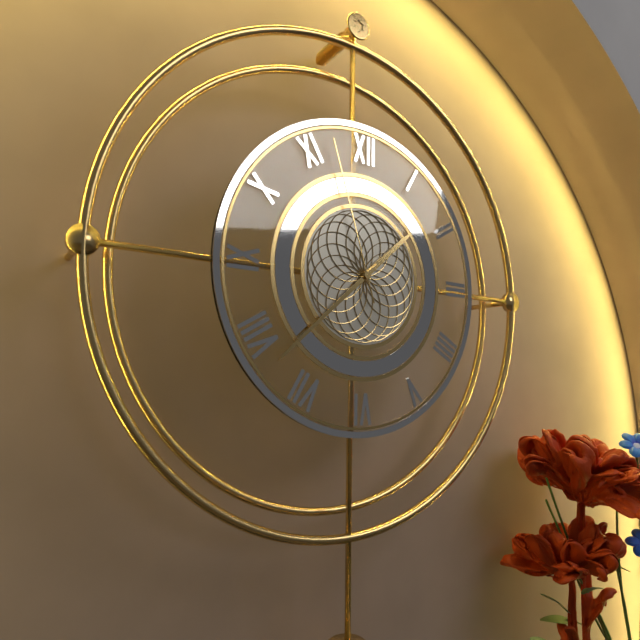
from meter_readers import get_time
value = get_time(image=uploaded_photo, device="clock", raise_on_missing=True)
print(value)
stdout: 1:38:57
